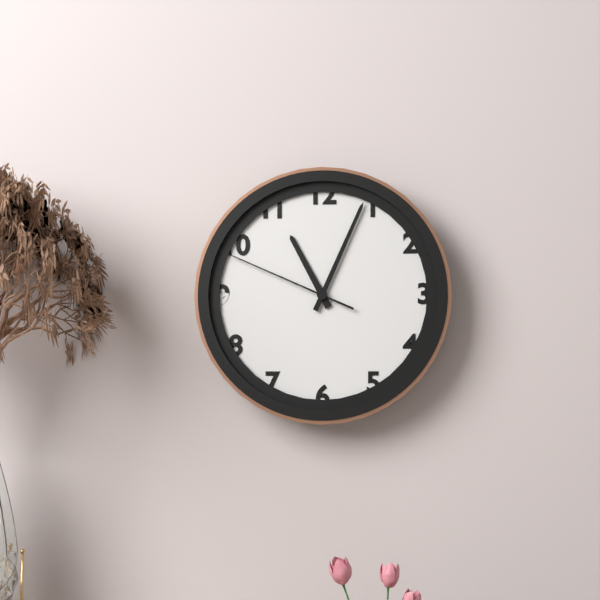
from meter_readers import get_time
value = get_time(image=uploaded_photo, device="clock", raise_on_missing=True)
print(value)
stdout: 11:04:49
